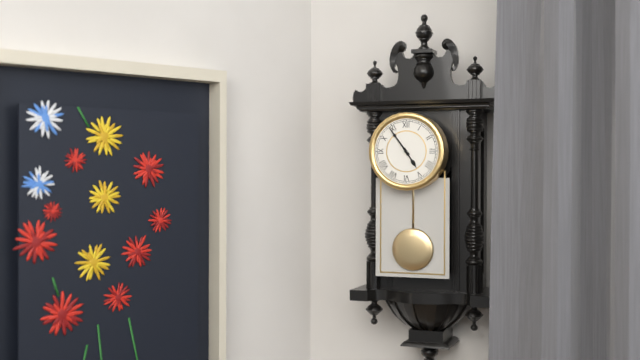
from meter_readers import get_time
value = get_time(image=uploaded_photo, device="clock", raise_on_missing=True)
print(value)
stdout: 4:54
